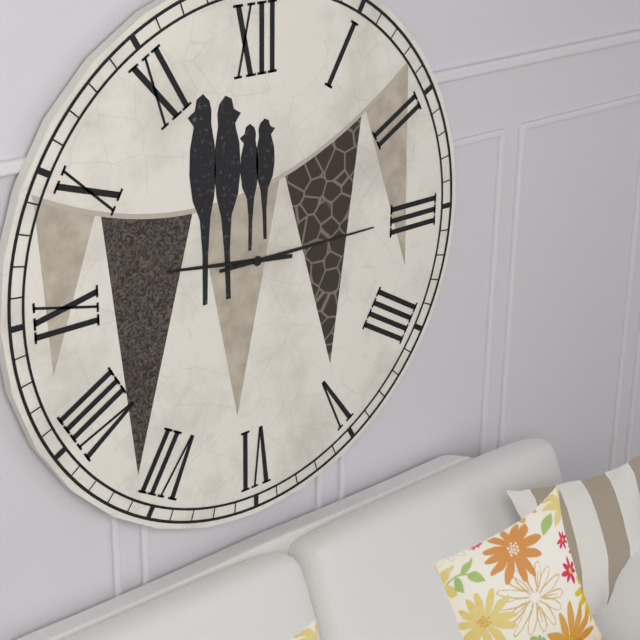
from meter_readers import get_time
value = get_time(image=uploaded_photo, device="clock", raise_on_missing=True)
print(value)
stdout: 9:15
